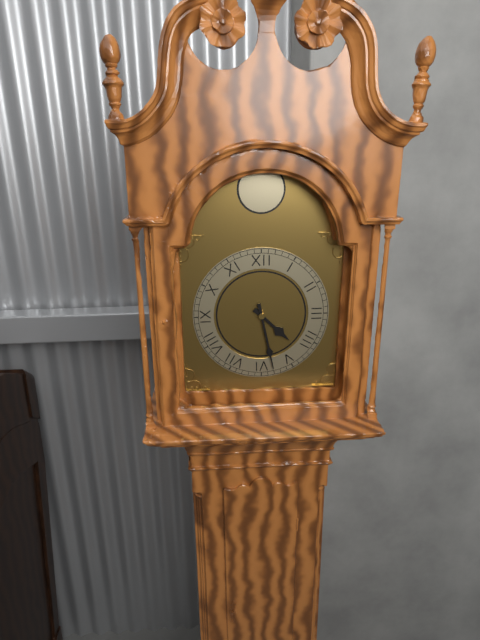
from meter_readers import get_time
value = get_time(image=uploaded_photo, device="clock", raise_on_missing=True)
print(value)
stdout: 4:28
